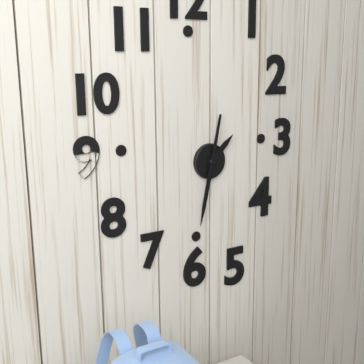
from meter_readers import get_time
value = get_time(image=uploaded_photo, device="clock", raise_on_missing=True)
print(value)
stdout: 1:32
